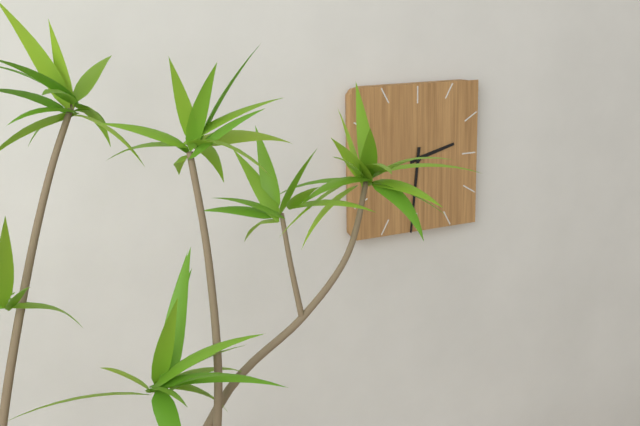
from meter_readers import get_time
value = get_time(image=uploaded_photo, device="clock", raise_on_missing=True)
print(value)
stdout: 2:31
